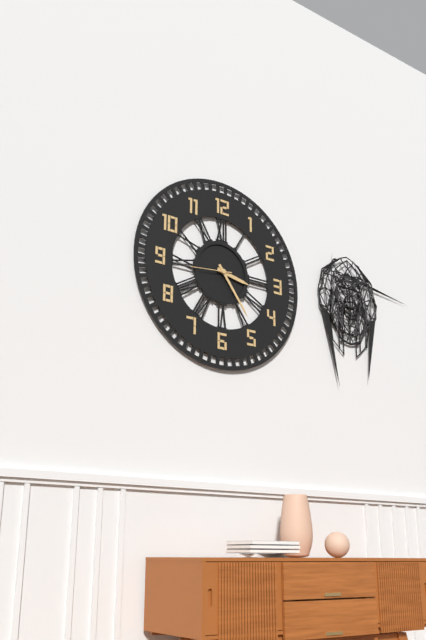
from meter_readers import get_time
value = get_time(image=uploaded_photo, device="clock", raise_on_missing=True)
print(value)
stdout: 3:24
